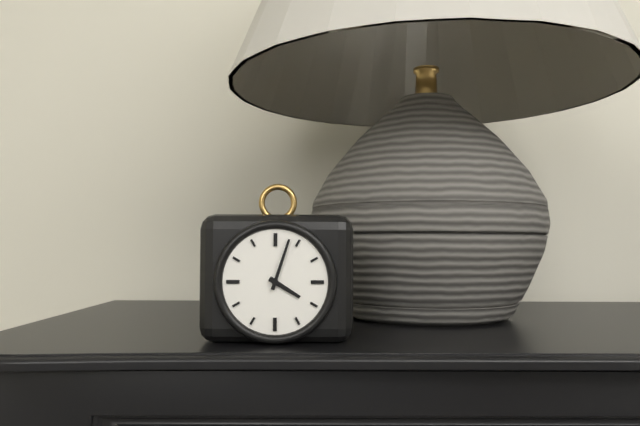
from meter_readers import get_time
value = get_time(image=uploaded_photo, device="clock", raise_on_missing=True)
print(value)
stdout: 4:03
